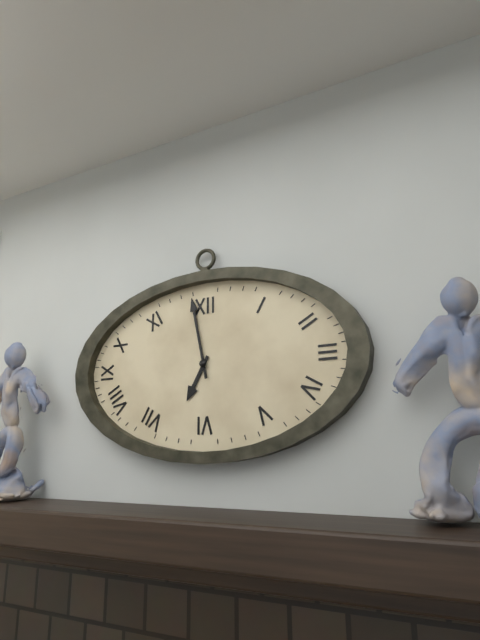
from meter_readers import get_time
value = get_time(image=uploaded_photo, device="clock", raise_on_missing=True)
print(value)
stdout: 6:58
